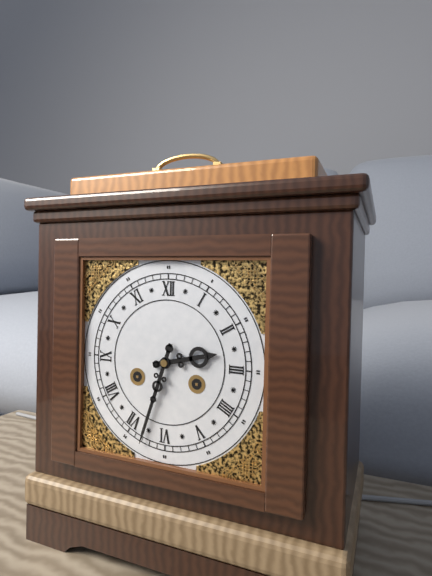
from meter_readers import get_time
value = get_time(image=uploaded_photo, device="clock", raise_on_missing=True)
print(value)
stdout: 2:33
